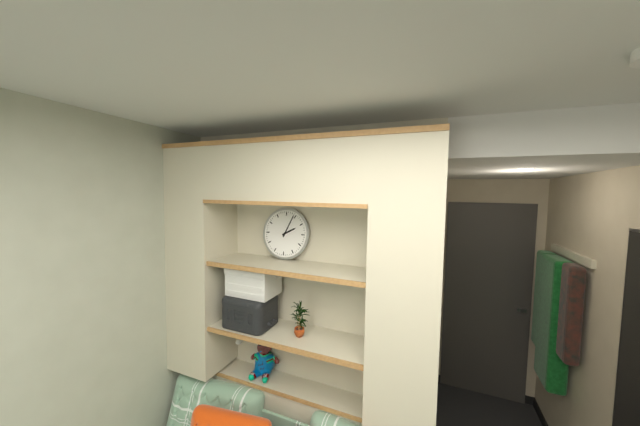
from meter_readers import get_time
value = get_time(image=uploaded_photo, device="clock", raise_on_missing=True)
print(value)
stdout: 2:04
